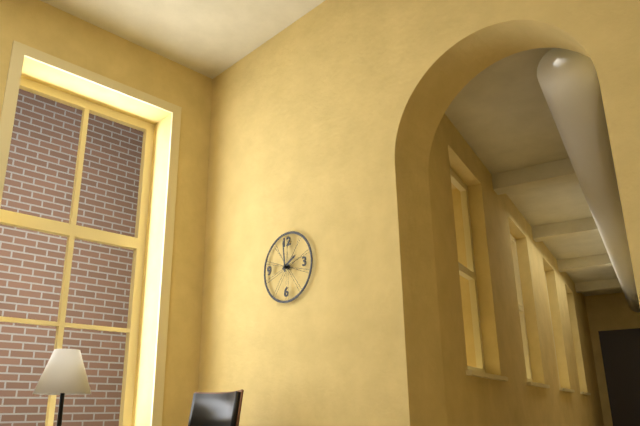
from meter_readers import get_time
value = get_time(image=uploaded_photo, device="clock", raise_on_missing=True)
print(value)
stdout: 1:59
